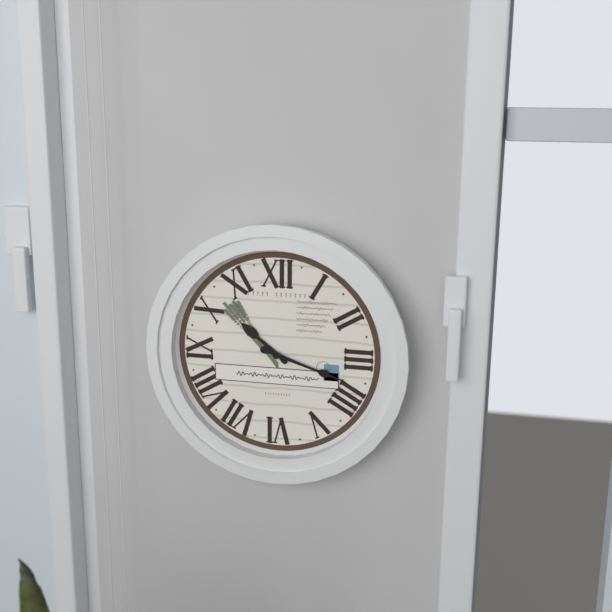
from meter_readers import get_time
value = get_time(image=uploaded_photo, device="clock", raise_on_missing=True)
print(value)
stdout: 10:18
